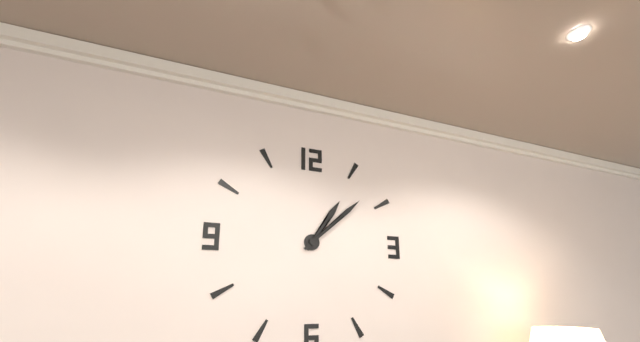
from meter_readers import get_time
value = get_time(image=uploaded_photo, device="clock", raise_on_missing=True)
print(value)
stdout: 1:08
